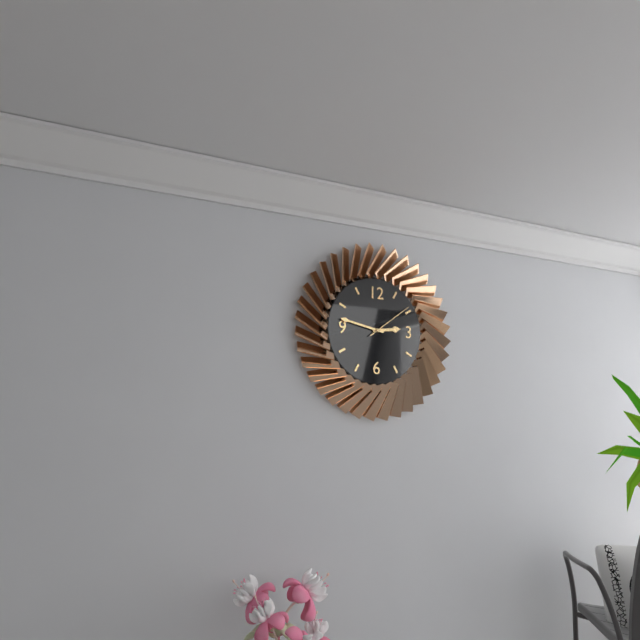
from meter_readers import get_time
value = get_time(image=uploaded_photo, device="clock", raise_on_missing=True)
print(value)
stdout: 2:47
